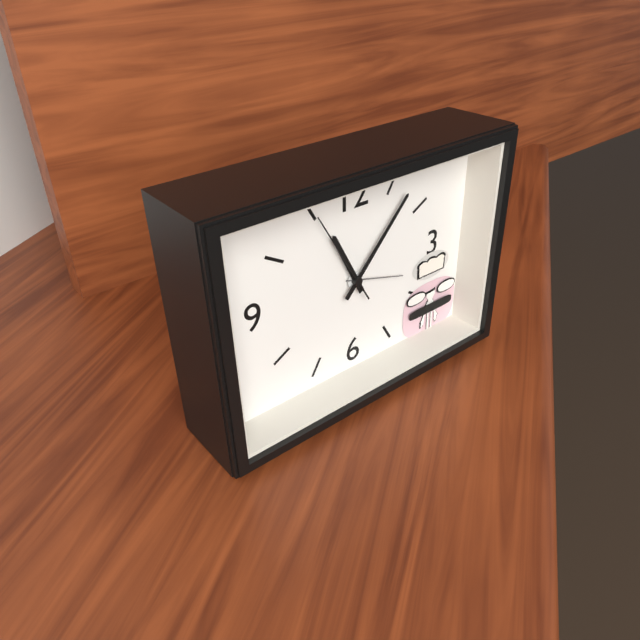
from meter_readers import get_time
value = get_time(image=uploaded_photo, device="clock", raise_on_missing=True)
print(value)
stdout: 11:07:55
